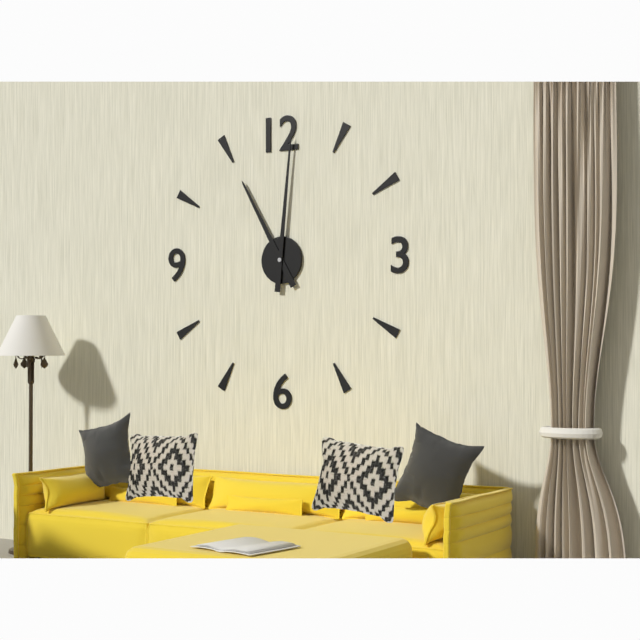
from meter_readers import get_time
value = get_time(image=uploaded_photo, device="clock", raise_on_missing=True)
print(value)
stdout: 11:01
